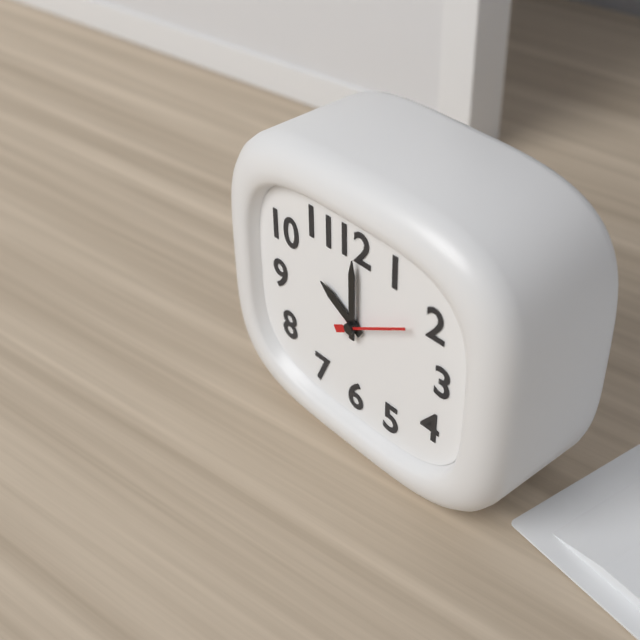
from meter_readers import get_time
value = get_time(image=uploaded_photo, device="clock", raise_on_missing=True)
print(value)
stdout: 10:00:10
